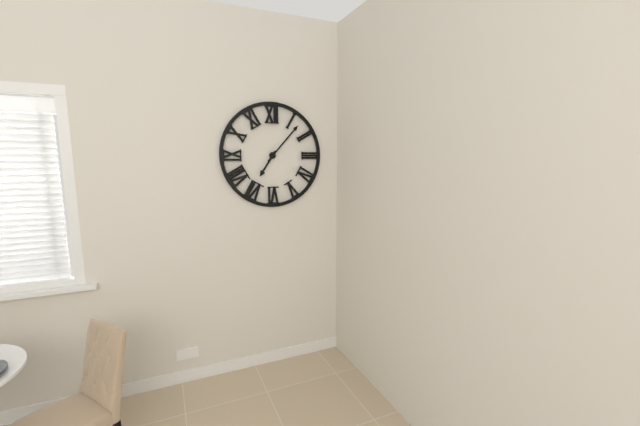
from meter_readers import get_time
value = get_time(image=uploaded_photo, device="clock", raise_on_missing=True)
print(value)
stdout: 7:07
